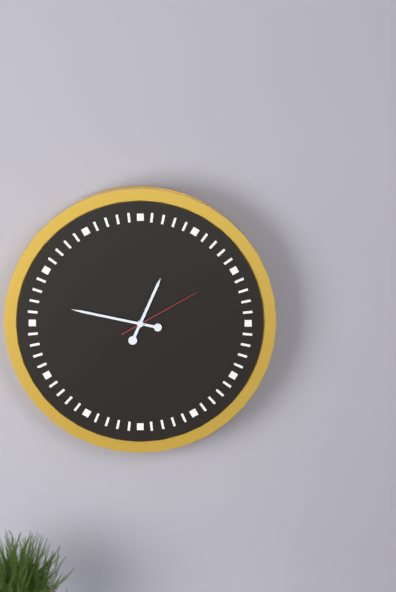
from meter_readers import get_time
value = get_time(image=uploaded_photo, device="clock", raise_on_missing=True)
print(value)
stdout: 12:47:10
